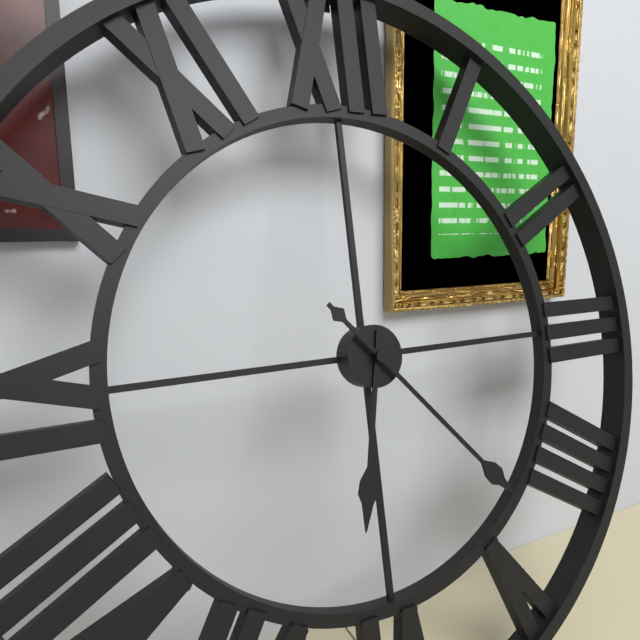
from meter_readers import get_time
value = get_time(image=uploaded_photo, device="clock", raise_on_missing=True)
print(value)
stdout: 6:23
